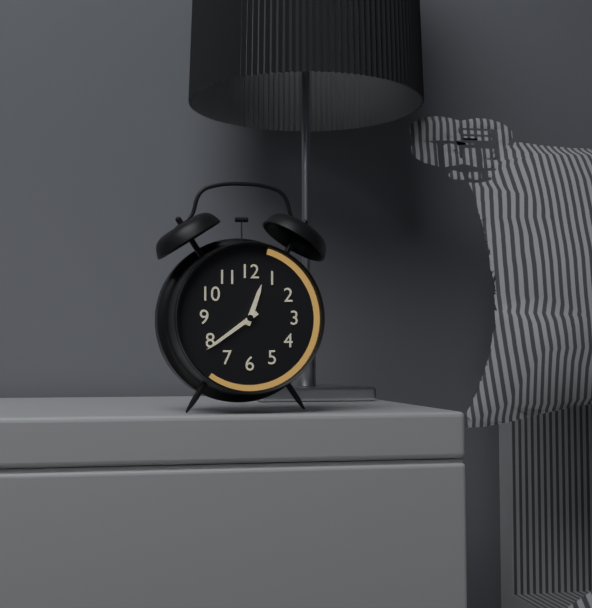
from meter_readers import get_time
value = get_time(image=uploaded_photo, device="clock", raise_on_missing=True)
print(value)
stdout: 12:39
